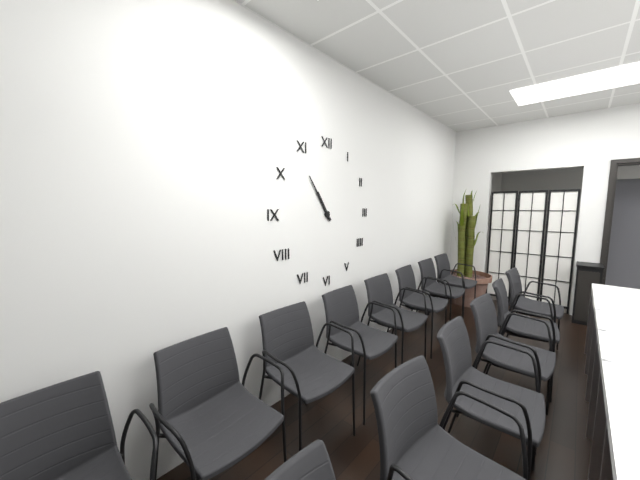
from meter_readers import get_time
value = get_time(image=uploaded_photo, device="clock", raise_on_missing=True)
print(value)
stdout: 10:54
